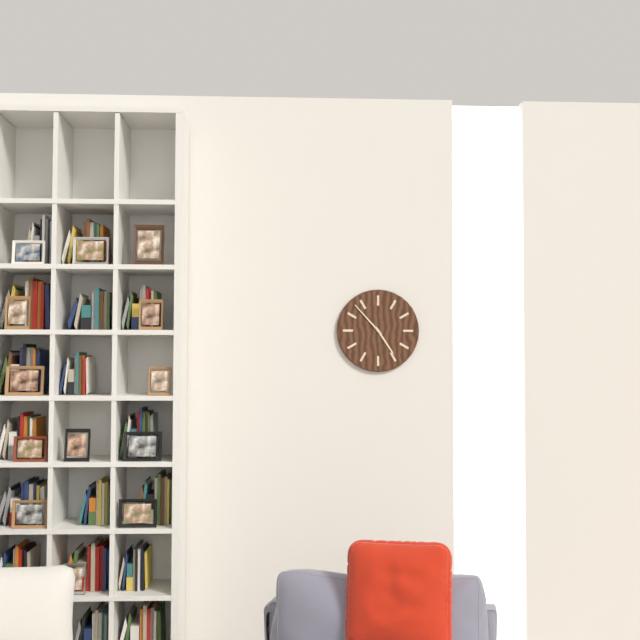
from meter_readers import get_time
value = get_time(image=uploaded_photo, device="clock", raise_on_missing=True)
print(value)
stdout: 4:53
